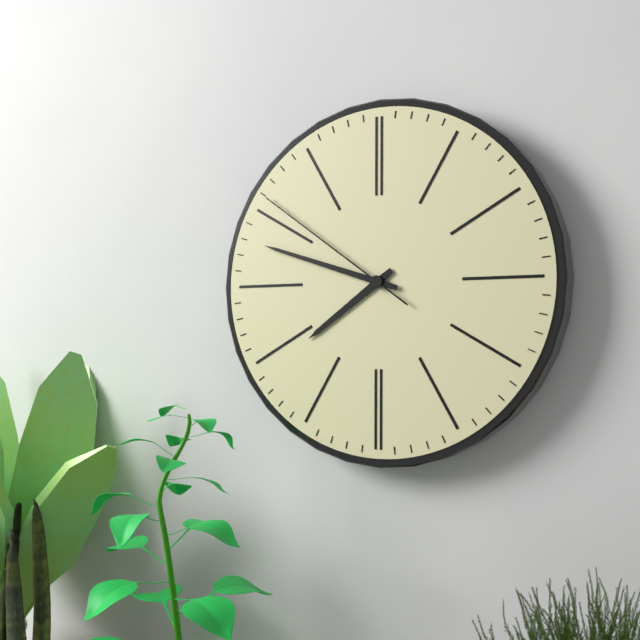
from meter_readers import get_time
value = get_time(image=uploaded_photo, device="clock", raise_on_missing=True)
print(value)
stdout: 7:48:51
